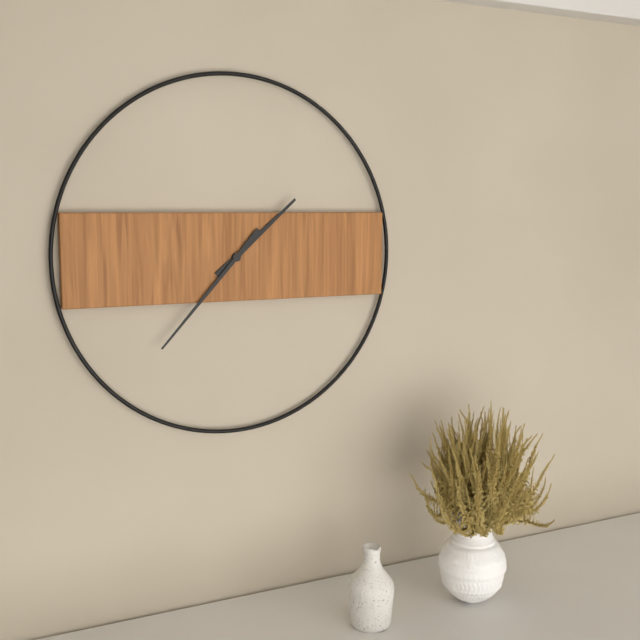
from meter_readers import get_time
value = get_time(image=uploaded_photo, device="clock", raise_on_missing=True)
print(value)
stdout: 1:37
